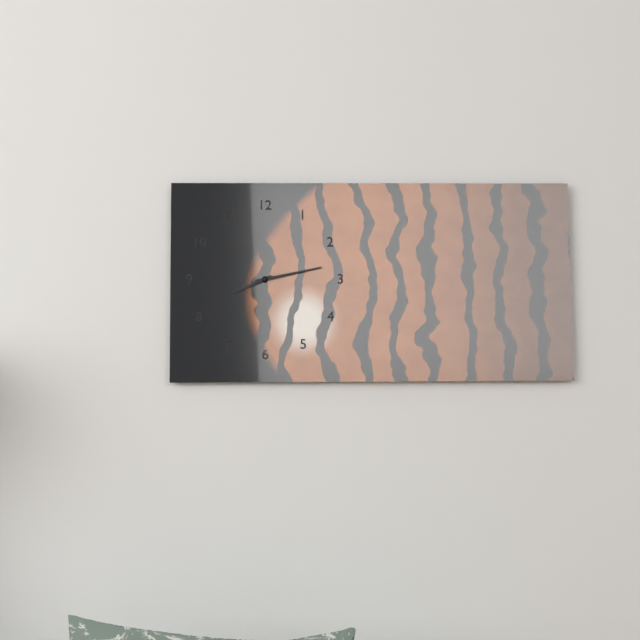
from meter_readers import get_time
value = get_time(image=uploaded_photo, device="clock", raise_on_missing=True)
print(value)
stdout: 8:13
